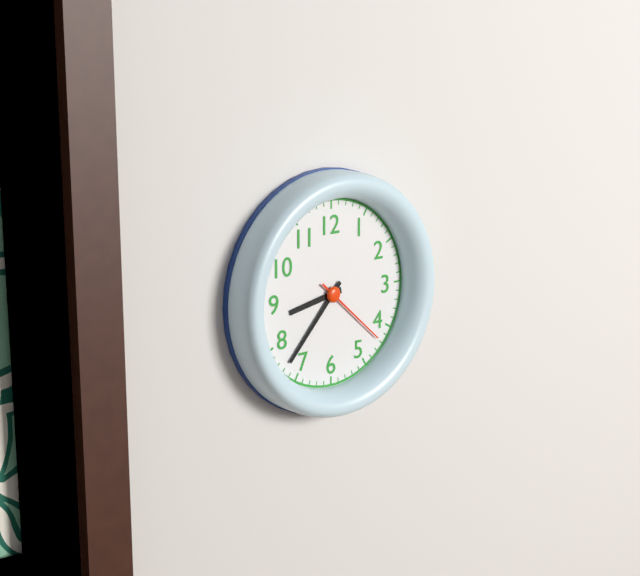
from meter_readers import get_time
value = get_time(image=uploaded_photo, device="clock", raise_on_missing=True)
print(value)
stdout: 8:37:22
